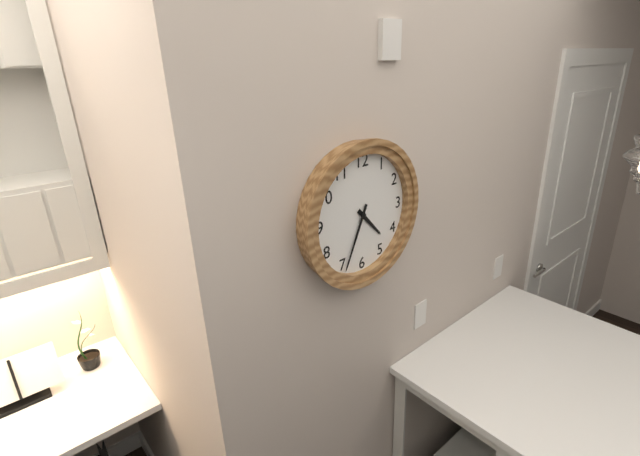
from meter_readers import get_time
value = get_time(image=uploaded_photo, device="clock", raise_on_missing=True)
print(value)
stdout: 4:34
